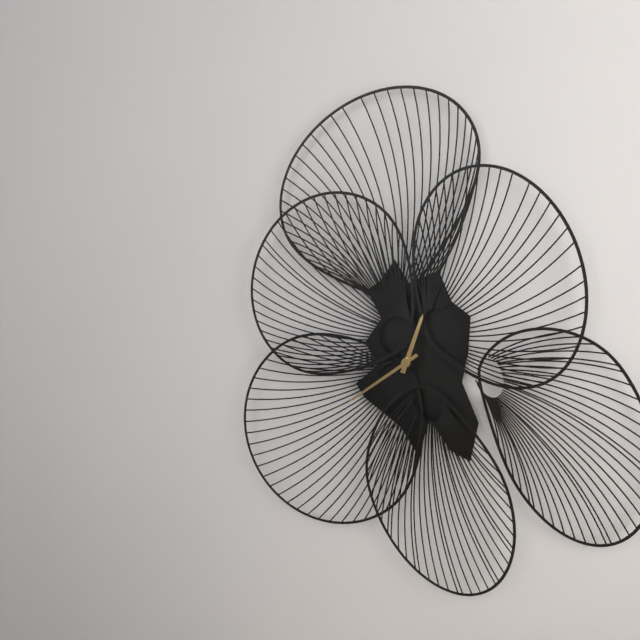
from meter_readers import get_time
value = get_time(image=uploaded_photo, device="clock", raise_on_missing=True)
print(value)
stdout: 12:39
